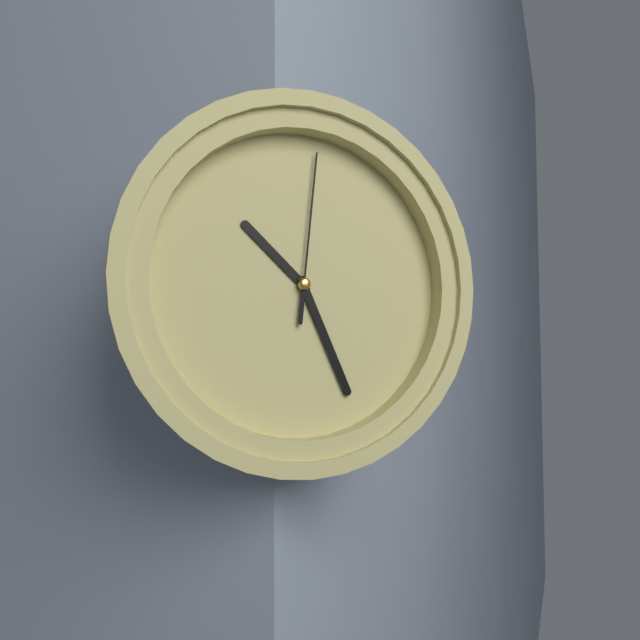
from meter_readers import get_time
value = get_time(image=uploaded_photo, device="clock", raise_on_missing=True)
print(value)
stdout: 10:26:01
